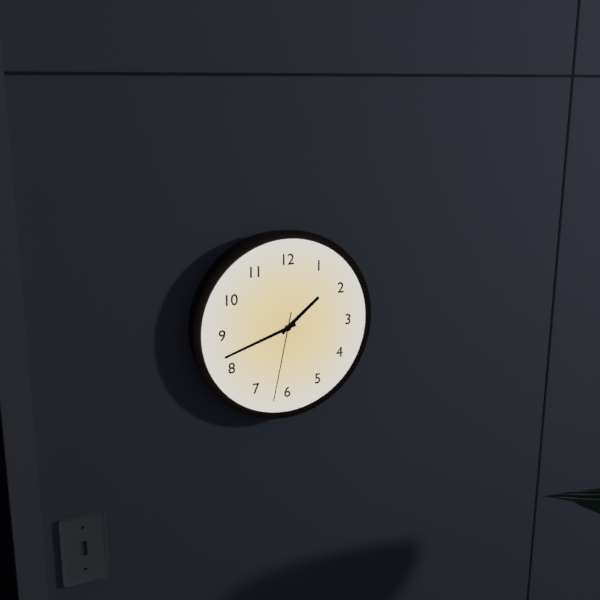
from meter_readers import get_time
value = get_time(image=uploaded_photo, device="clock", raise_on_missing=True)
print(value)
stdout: 1:42:32
